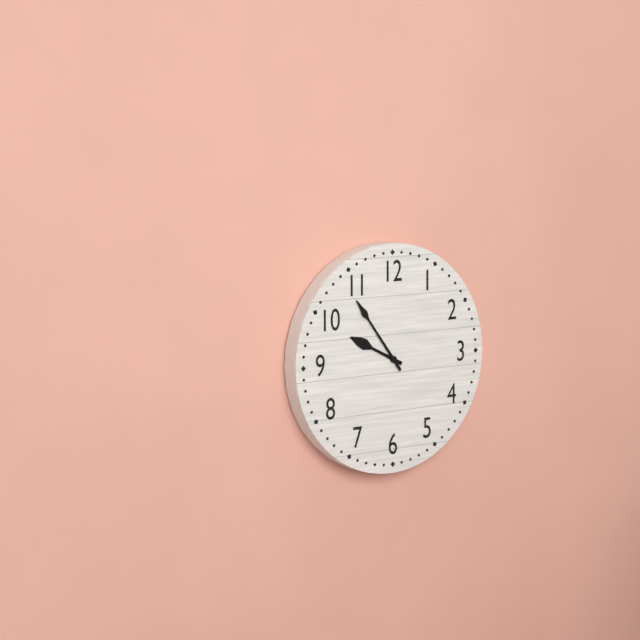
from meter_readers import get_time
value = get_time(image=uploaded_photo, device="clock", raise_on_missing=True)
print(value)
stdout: 9:54
